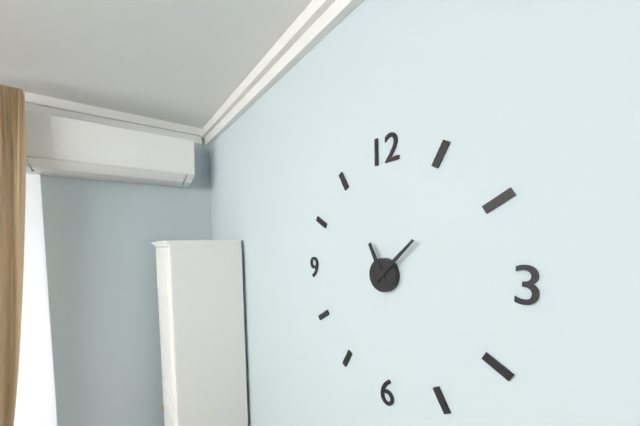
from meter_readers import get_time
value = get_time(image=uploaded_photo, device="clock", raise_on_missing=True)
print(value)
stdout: 11:08
